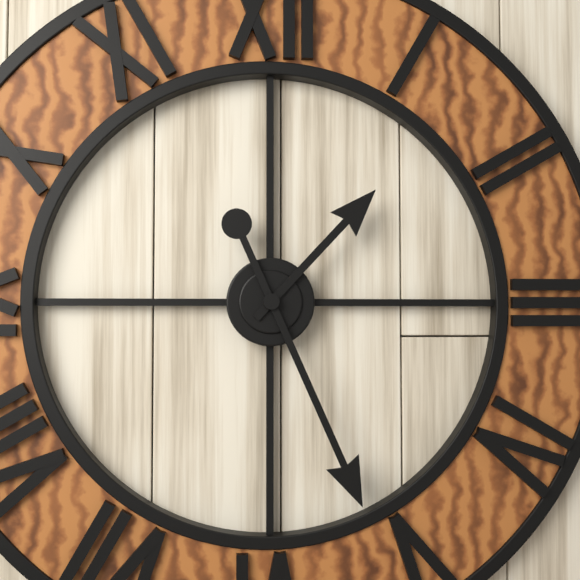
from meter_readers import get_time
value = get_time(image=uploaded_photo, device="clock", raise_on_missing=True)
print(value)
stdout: 1:26
